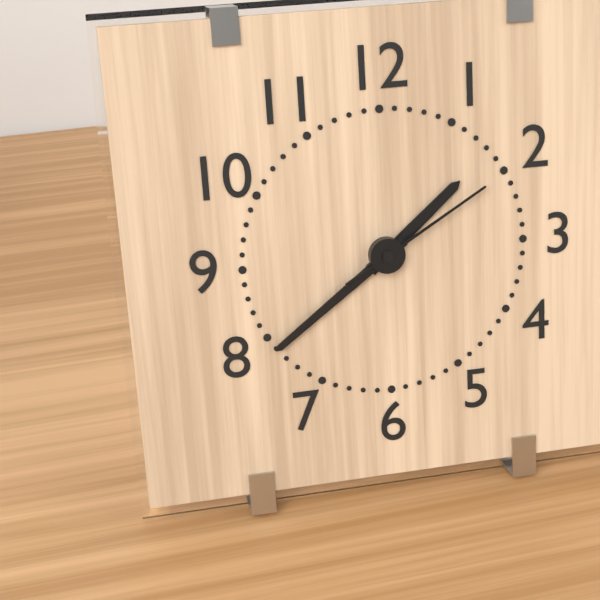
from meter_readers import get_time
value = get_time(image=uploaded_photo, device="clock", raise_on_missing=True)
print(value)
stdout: 1:39:10
